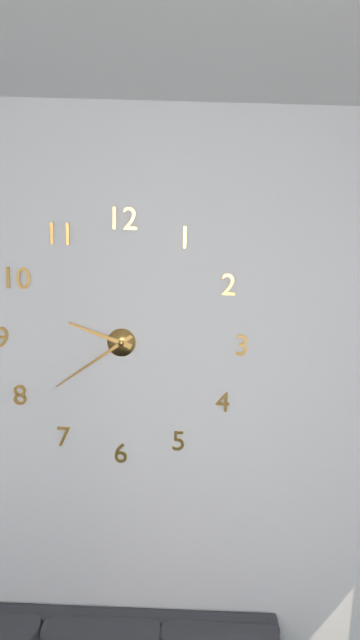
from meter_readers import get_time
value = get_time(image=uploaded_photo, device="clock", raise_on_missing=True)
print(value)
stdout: 9:39
